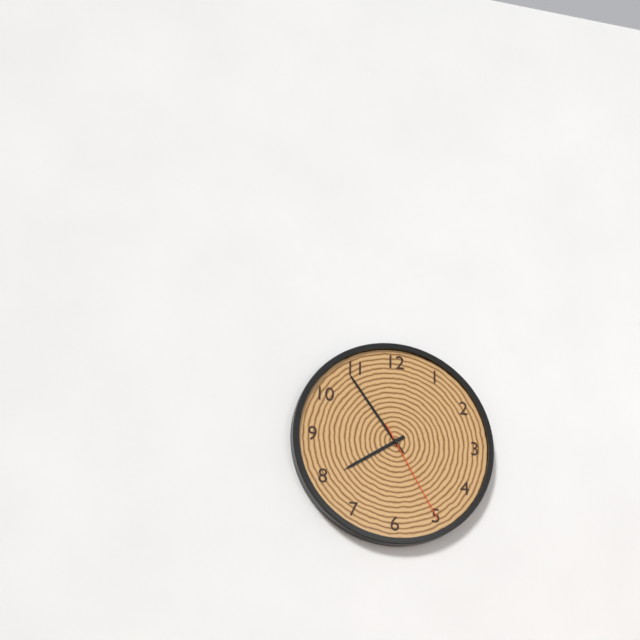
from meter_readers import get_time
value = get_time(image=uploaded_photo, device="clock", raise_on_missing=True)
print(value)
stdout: 7:54:25
